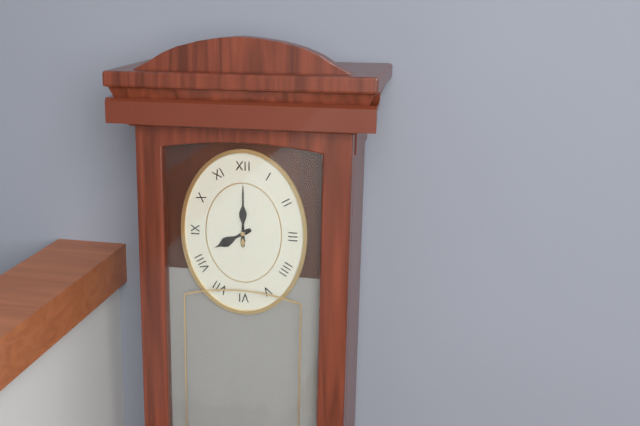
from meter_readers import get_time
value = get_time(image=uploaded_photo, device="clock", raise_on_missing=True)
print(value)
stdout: 8:00
